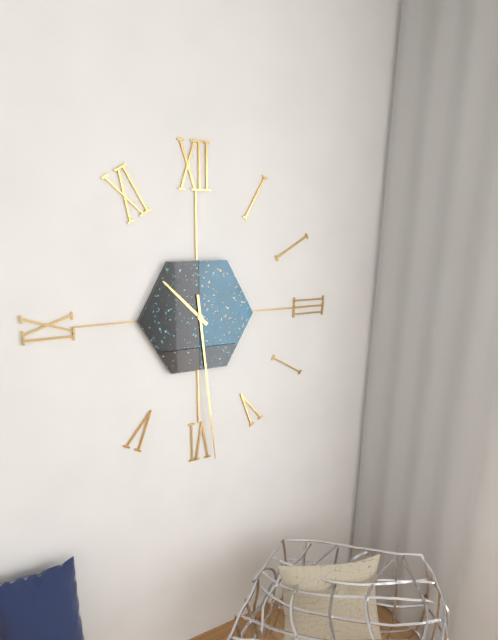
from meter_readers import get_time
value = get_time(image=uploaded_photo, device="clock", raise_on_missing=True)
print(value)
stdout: 10:29
